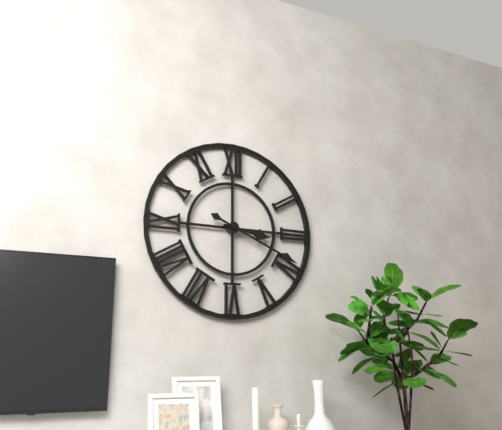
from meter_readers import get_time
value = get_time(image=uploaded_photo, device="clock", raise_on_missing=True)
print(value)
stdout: 3:19
